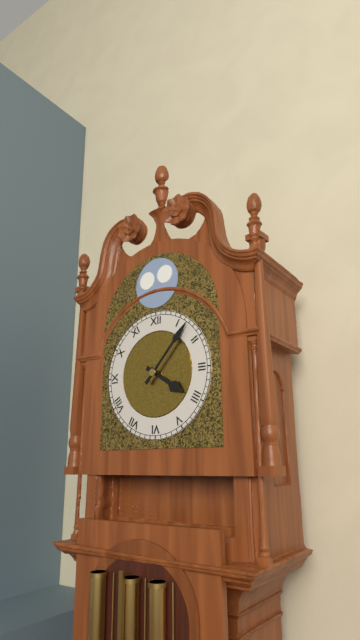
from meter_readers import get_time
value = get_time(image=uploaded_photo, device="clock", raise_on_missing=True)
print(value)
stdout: 4:07
